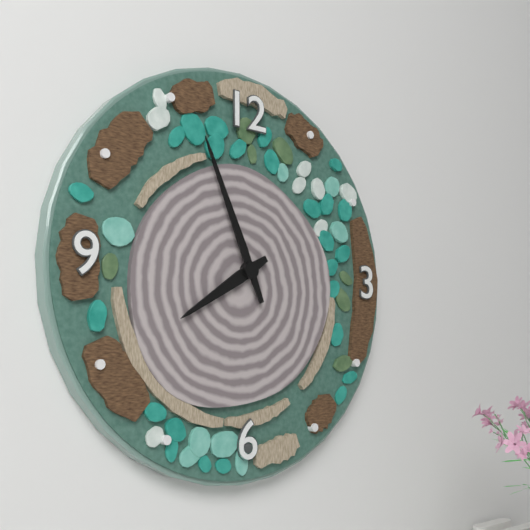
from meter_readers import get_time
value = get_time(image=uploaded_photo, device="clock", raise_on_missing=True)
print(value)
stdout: 7:56
